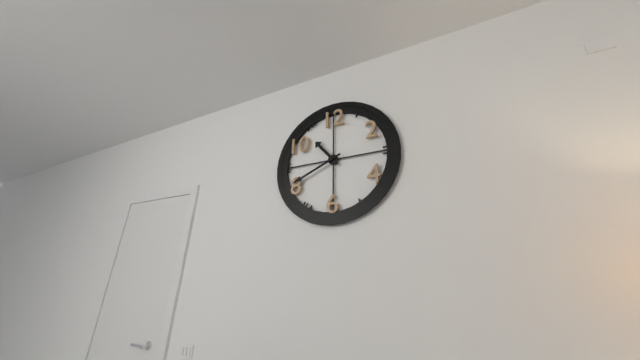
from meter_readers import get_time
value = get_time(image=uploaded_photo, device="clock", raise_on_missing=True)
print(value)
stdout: 10:41
